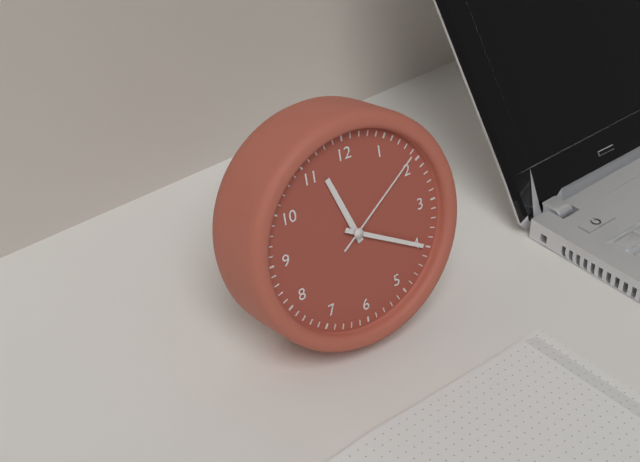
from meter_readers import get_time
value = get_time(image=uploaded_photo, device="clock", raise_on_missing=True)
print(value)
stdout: 11:20:09
